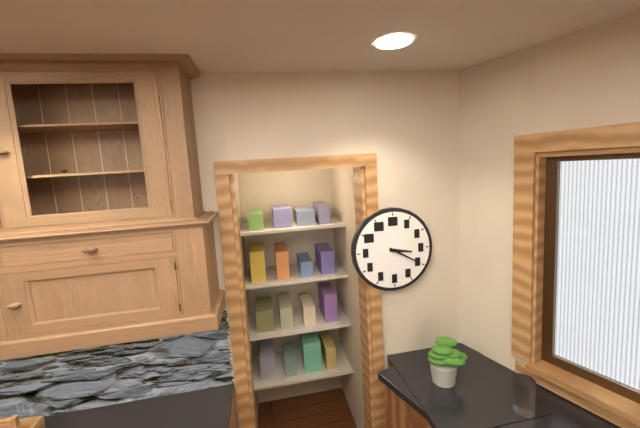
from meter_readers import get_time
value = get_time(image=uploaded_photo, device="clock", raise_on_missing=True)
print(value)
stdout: 3:20
